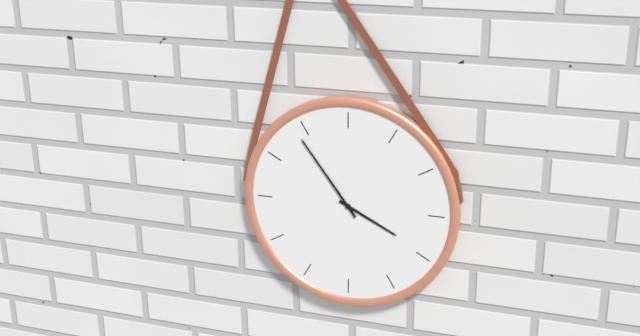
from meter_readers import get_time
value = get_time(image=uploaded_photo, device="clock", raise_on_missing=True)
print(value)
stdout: 3:54
